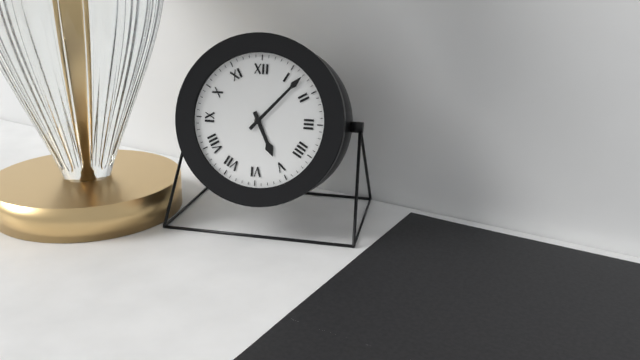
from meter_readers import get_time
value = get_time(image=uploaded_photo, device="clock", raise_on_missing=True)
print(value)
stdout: 5:07
